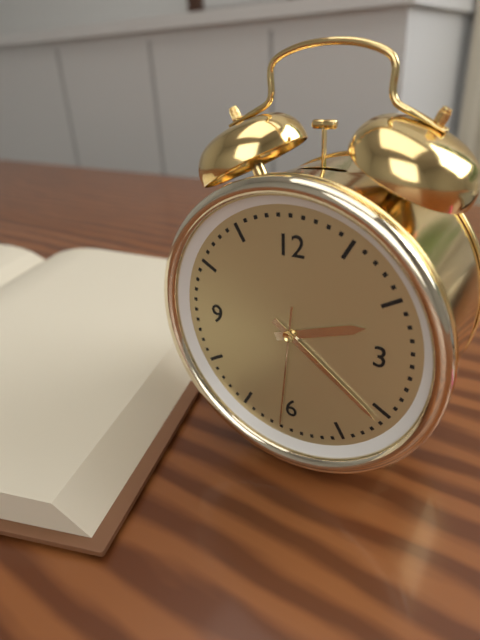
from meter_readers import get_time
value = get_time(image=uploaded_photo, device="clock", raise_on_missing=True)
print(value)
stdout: 2:21:31
